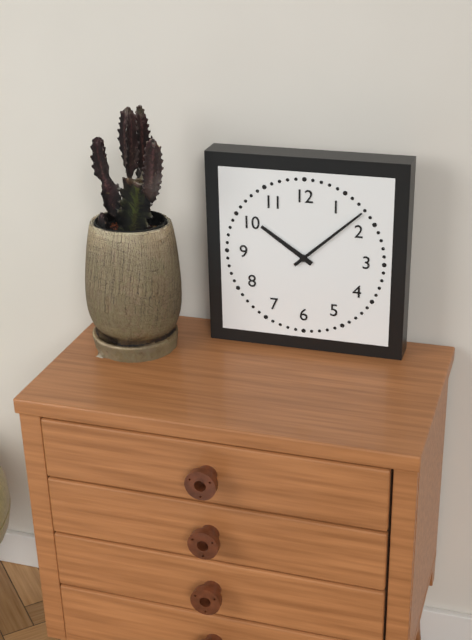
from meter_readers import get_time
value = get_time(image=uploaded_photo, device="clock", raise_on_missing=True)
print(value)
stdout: 10:08
